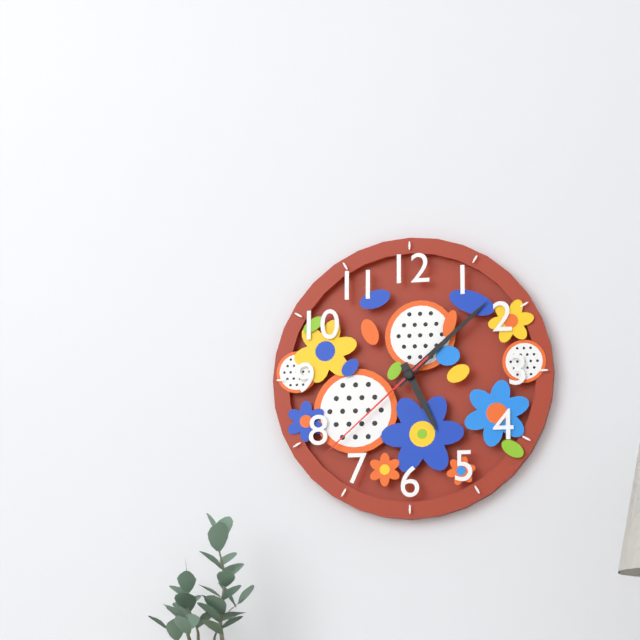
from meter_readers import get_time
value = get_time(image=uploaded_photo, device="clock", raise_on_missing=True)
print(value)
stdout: 5:08:38
